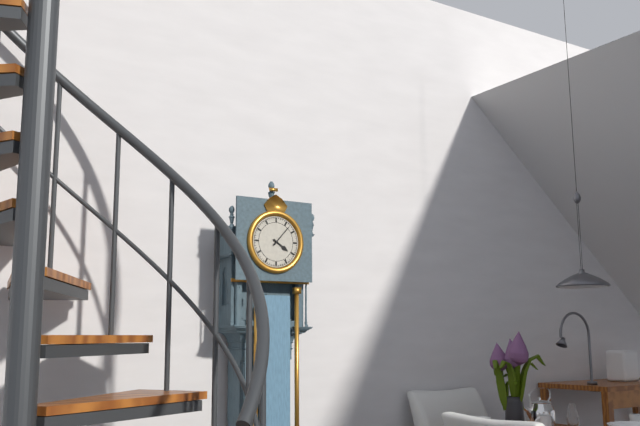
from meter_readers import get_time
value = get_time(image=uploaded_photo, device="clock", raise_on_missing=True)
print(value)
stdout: 4:07
